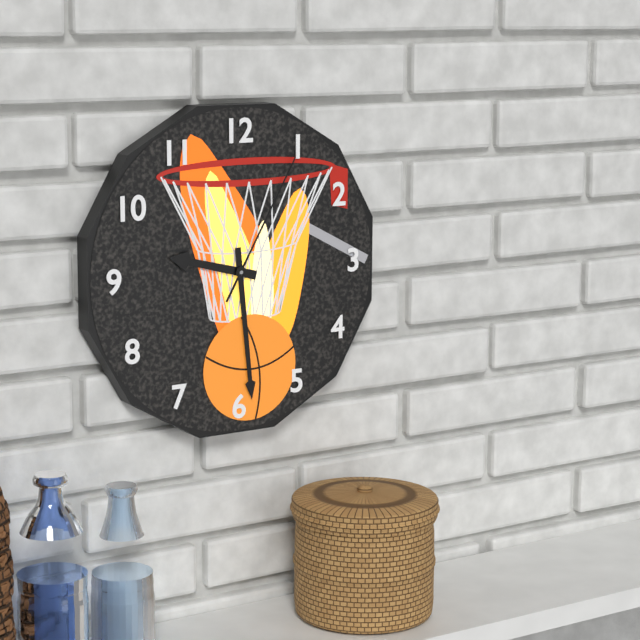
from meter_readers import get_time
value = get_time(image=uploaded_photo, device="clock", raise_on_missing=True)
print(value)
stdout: 9:29:05
